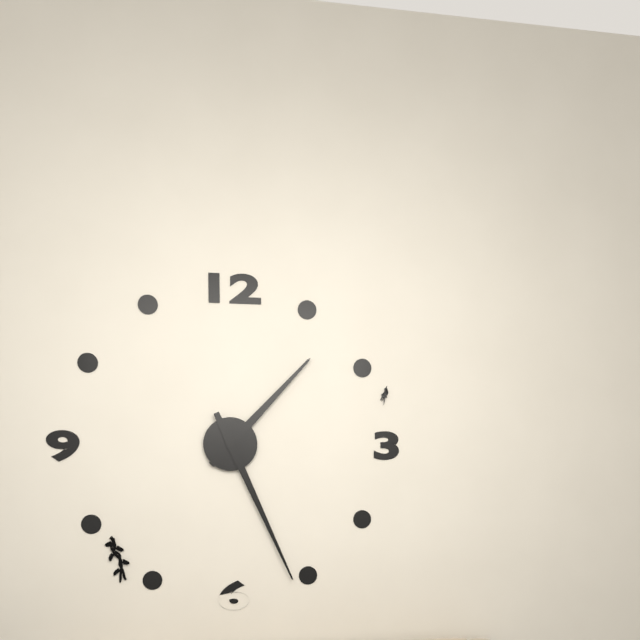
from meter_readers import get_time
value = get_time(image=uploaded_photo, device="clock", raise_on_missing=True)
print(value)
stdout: 1:26
